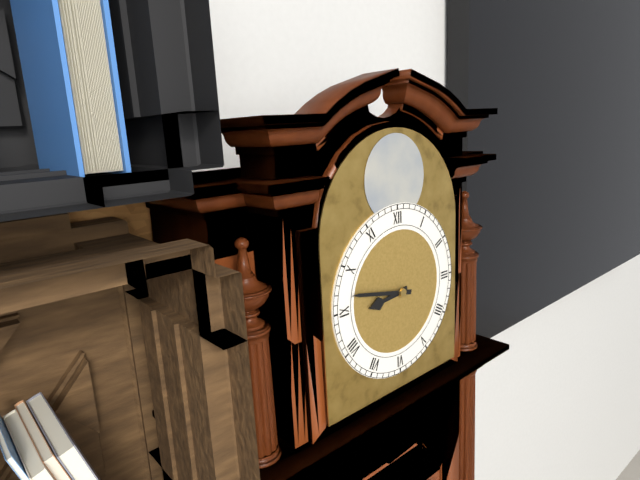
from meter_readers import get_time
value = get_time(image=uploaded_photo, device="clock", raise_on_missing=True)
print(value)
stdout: 8:47
